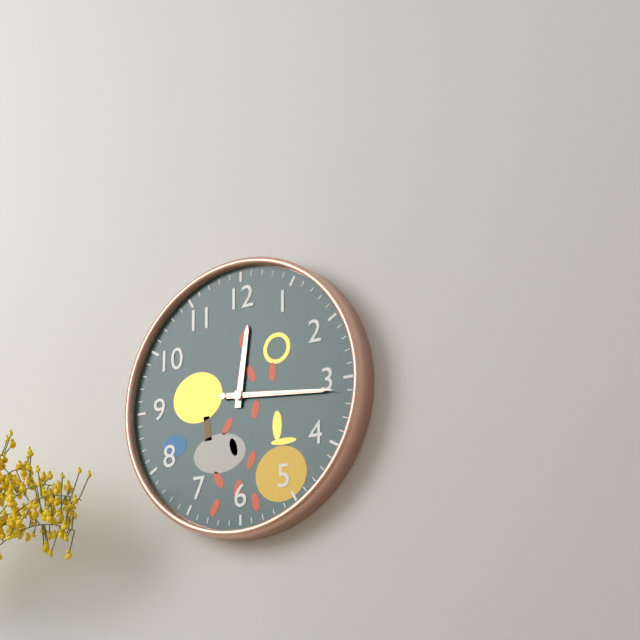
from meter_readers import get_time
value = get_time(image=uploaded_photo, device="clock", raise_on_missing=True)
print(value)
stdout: 12:16:16
